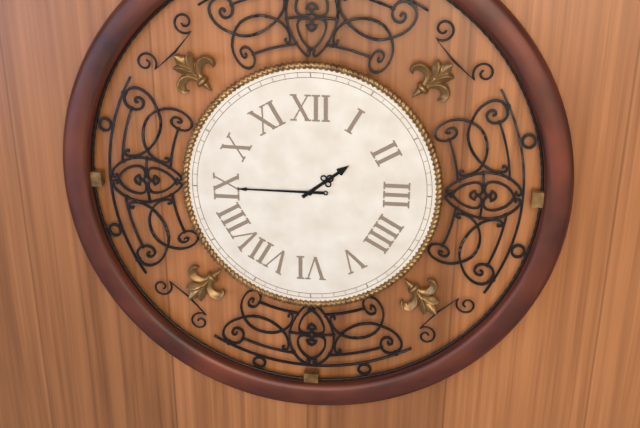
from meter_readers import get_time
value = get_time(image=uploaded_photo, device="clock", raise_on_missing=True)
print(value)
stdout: 1:45
